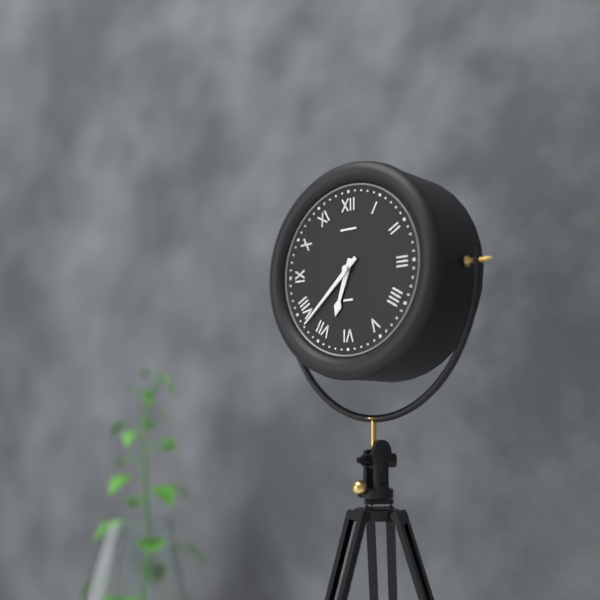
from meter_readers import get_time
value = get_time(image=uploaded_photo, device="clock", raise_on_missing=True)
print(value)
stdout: 6:38
